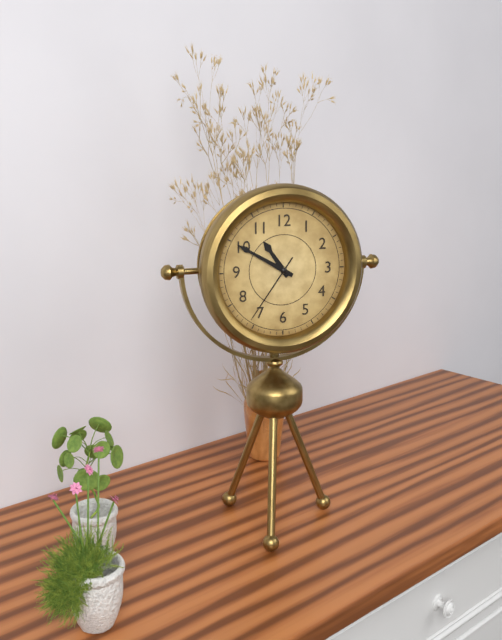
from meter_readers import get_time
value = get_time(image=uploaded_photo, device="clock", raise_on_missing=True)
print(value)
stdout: 10:50:36
